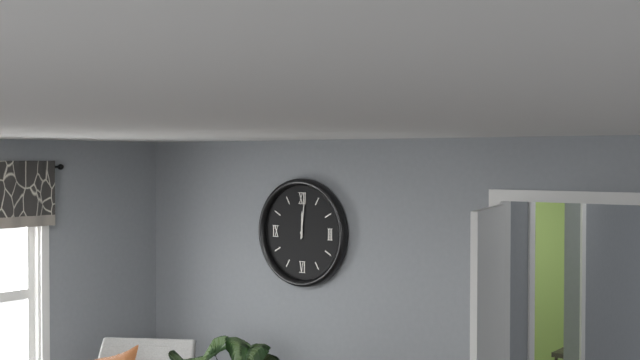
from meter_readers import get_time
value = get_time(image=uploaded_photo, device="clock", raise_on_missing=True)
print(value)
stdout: 12:01
